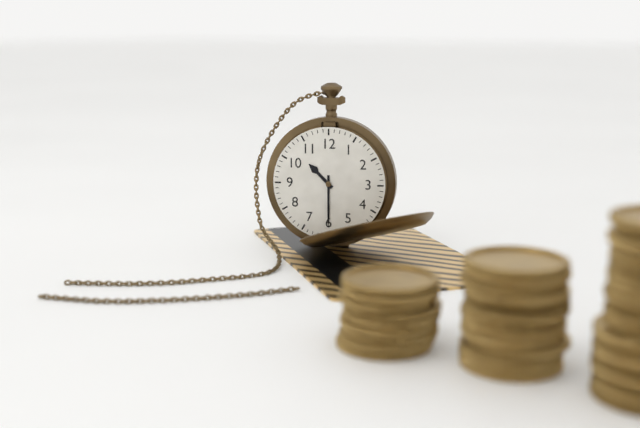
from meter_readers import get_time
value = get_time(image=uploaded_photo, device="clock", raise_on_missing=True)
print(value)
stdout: 10:30
